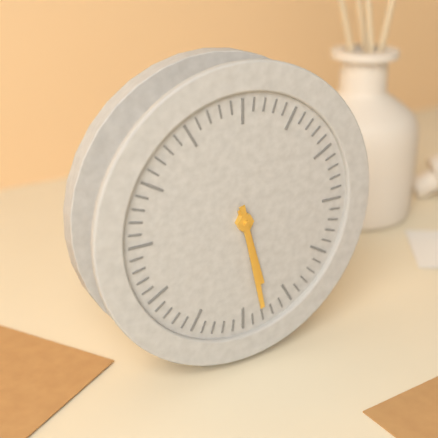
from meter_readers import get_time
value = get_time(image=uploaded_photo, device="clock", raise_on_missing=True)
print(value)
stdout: 5:28
